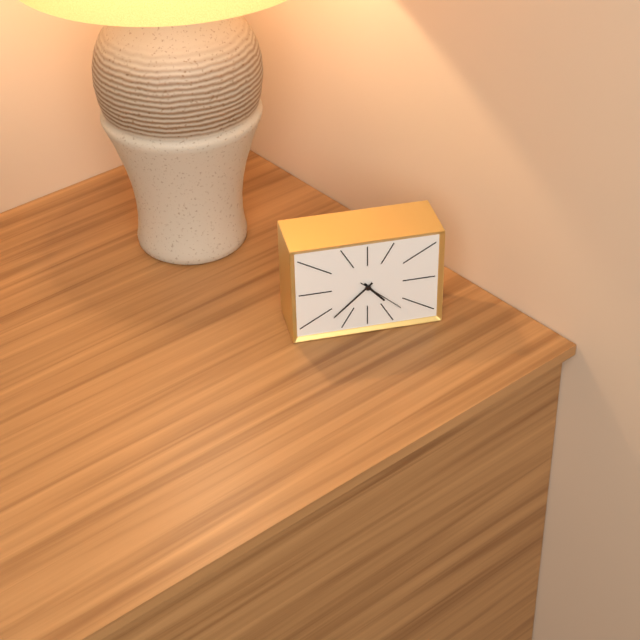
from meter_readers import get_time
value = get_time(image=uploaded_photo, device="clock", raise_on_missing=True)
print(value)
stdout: 4:38
